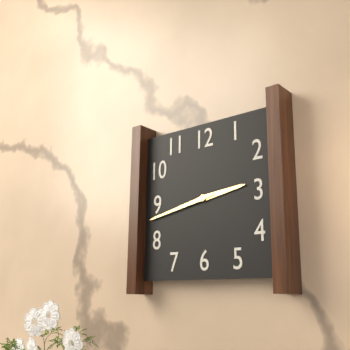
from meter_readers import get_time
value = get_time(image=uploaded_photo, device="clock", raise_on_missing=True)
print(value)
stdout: 2:43
